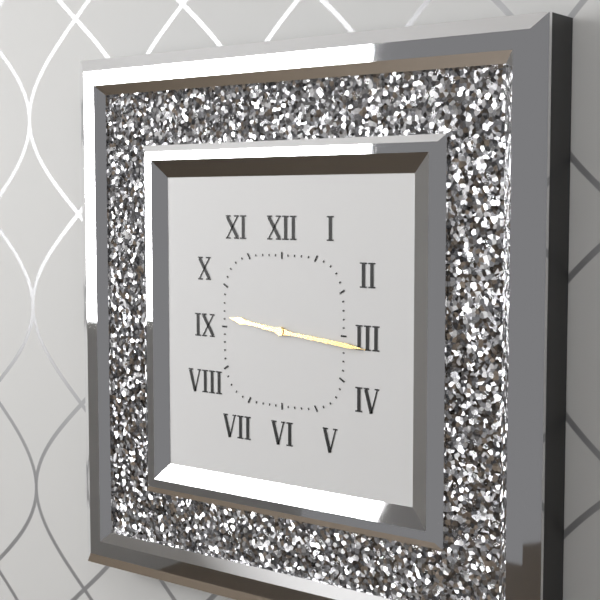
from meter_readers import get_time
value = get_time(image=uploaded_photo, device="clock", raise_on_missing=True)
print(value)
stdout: 9:16
